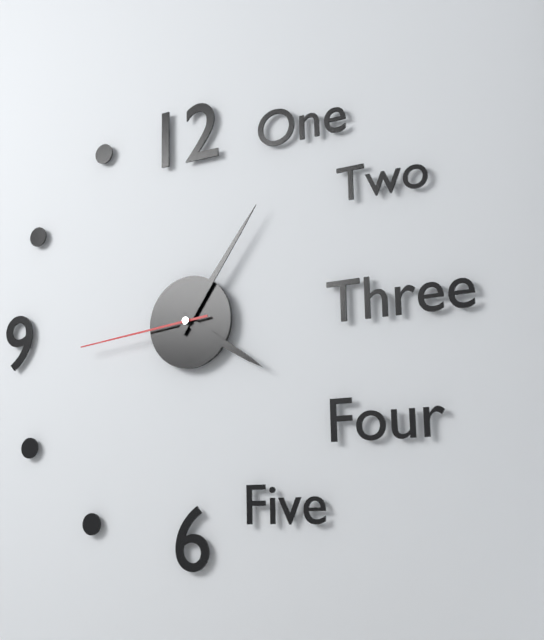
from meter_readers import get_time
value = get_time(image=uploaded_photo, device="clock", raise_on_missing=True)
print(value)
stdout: 4:06:44
